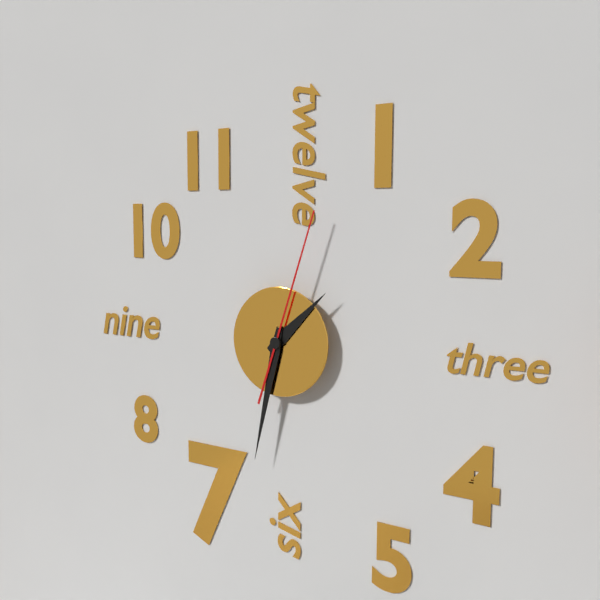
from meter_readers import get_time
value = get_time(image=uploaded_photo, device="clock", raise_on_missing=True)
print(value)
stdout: 1:32:03
